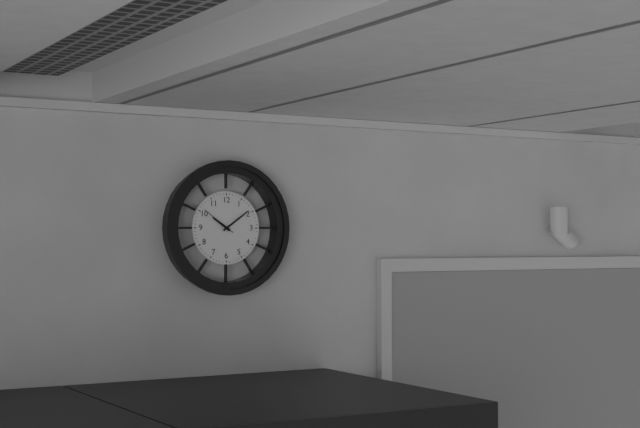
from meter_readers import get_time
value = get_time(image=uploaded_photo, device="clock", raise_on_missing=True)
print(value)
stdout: 10:09
